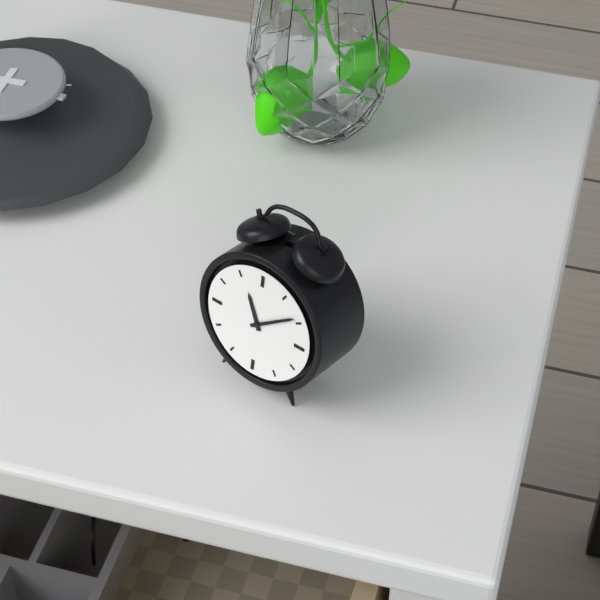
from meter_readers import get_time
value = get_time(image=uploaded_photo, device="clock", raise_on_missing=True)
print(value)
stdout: 11:09
